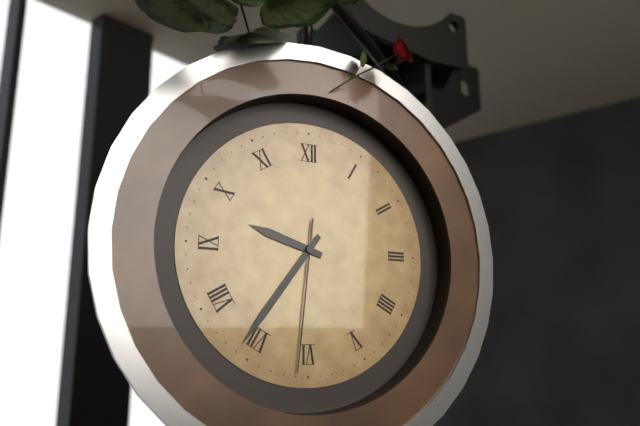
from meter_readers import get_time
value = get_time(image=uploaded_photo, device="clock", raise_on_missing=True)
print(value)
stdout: 9:36:31
